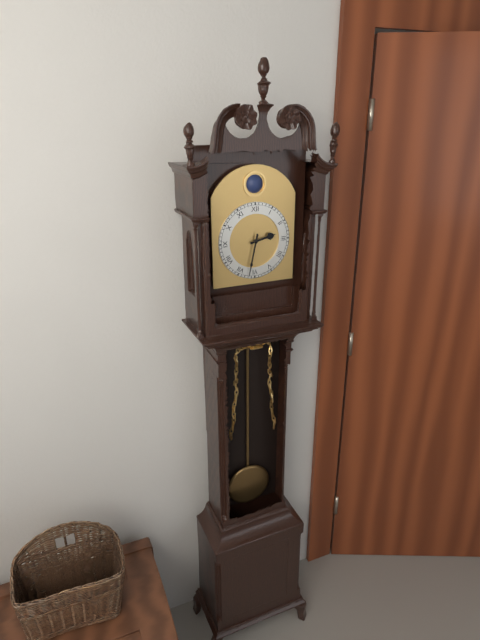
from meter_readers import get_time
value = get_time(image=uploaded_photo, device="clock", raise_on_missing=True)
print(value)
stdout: 2:32
